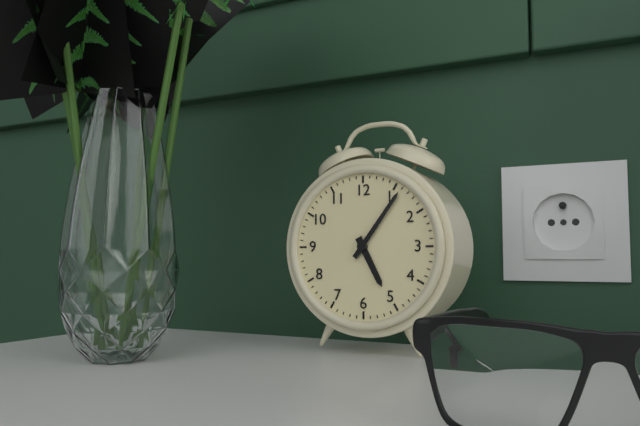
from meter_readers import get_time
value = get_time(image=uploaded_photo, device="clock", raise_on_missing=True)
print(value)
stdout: 5:06
